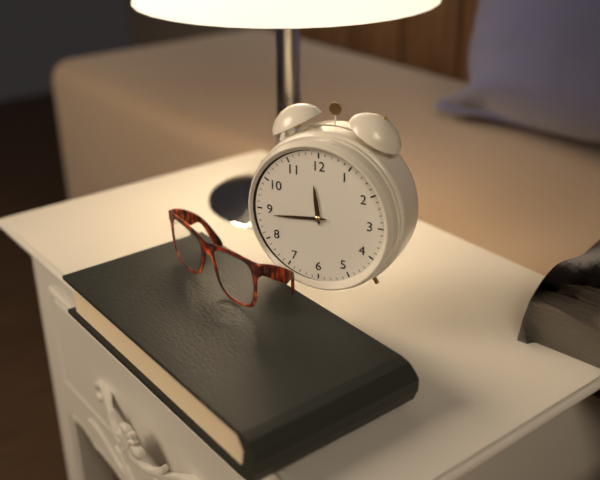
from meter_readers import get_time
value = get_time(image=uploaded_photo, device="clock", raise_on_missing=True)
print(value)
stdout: 11:44
